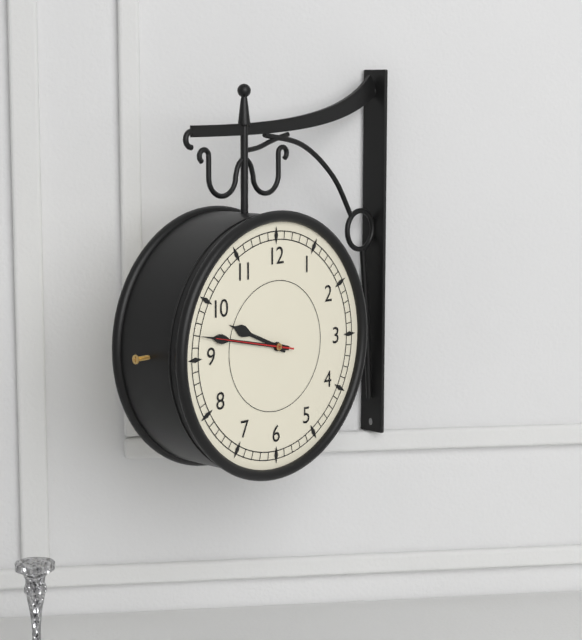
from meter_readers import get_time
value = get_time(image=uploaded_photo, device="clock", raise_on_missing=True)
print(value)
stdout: 9:47:47
